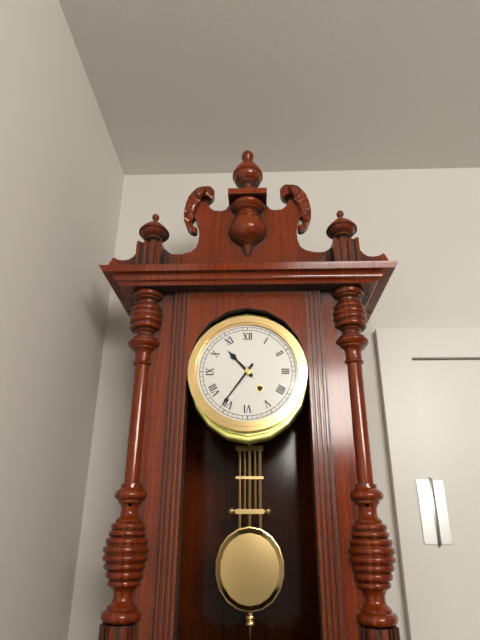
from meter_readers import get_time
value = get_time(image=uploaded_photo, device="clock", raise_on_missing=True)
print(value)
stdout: 10:36
